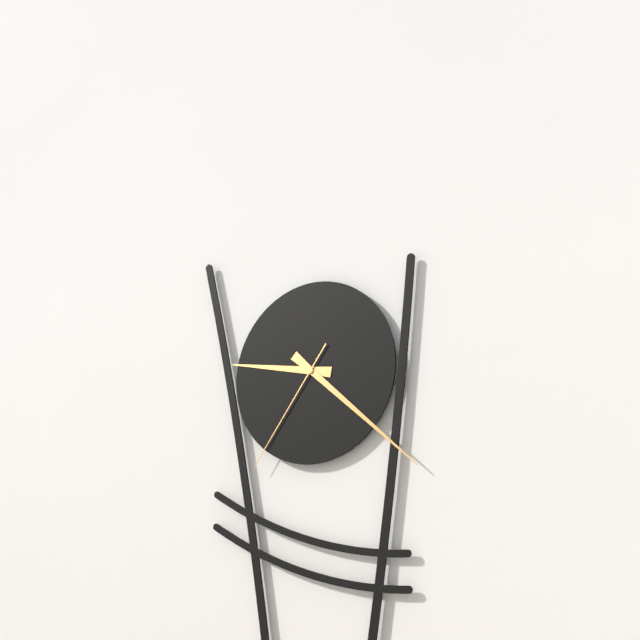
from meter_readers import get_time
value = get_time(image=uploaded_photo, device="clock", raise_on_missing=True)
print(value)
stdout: 9:22:36
